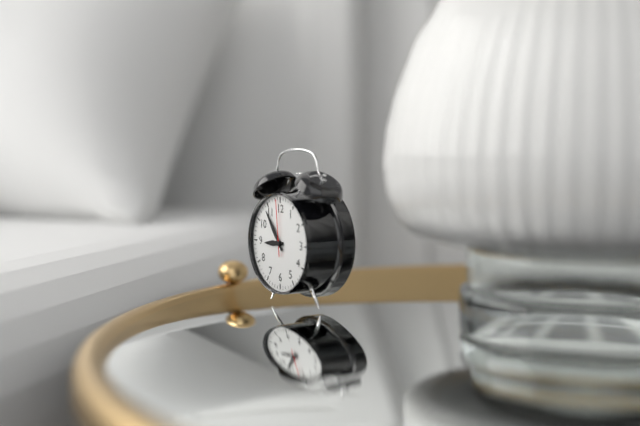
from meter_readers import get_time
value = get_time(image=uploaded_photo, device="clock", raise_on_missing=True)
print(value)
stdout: 8:54:59
